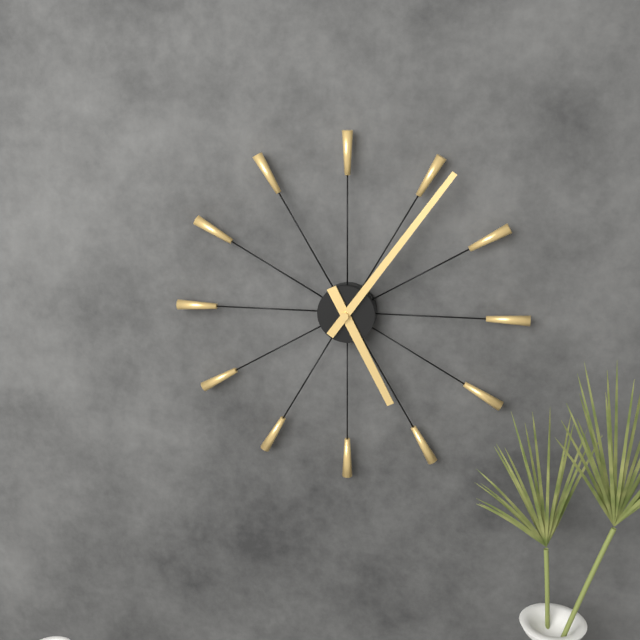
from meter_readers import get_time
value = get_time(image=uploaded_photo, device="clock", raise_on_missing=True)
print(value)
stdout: 5:06
